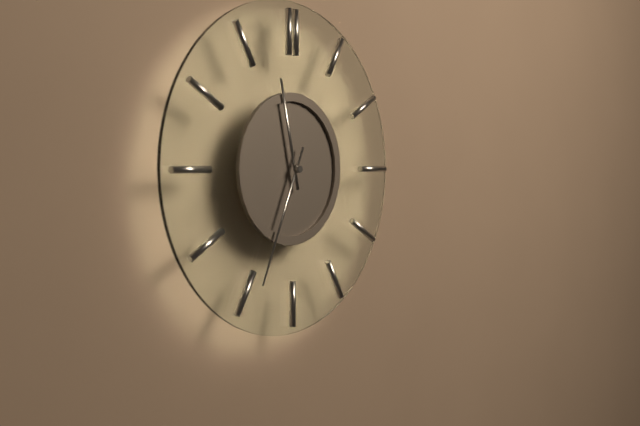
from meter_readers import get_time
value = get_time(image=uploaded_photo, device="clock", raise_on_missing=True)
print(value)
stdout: 11:34
